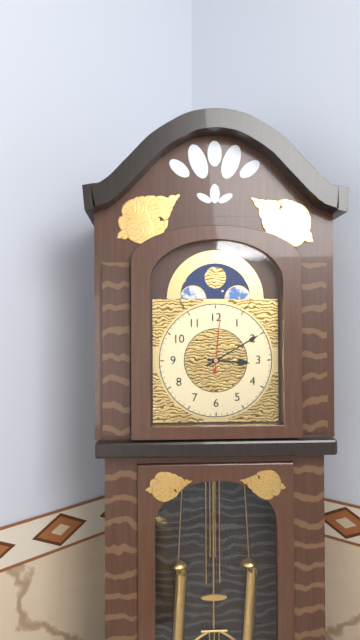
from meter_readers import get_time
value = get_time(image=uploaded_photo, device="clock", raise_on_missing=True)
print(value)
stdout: 3:10:01
